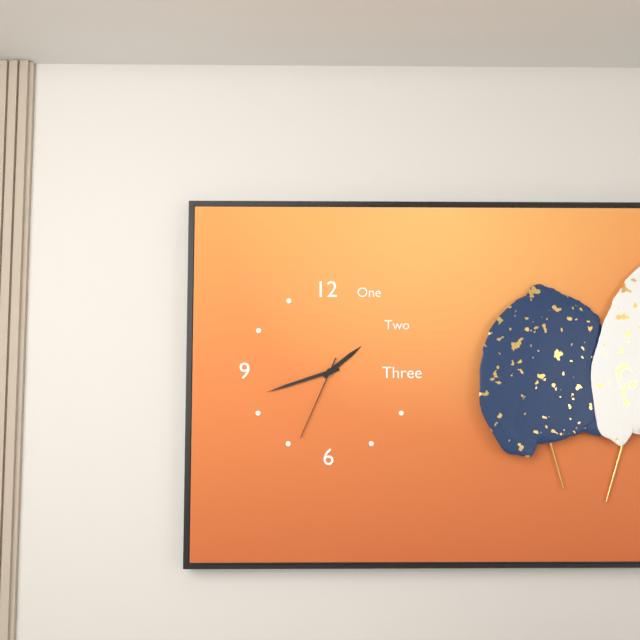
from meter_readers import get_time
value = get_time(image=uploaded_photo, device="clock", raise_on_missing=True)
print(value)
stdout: 1:42:34
